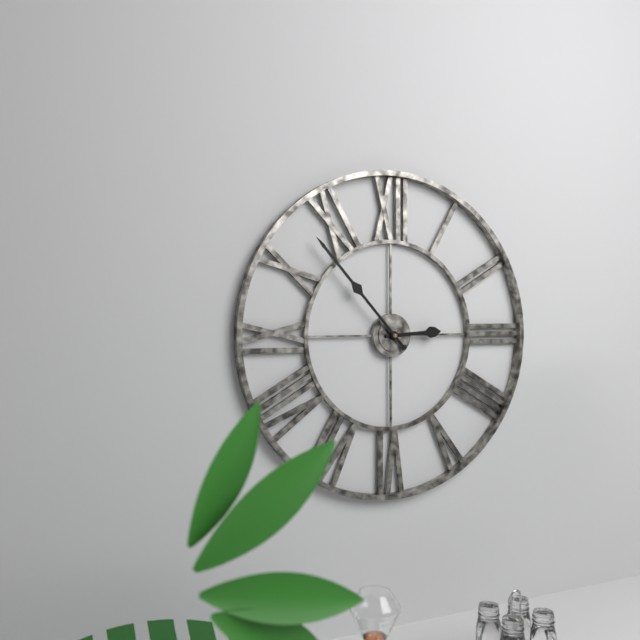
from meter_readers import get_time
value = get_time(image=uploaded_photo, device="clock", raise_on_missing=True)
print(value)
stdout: 2:53
